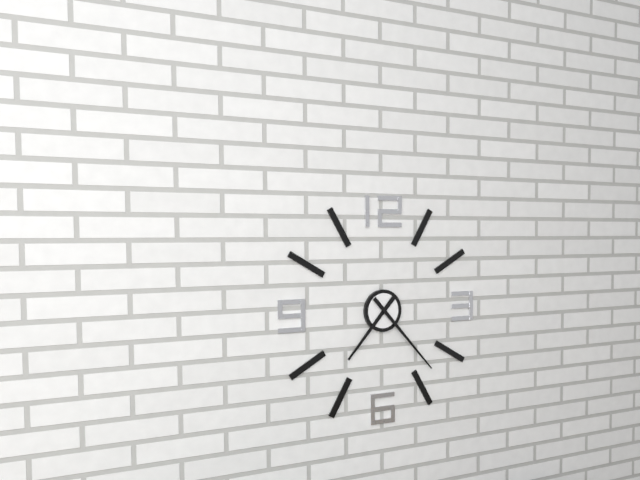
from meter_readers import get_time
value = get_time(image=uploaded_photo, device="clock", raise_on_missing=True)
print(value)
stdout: 7:23
